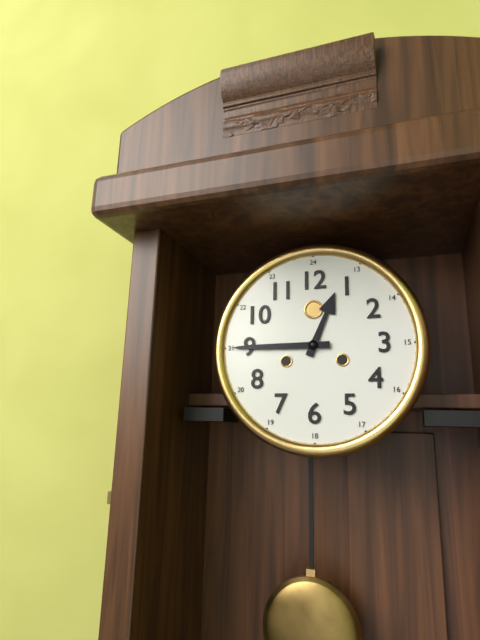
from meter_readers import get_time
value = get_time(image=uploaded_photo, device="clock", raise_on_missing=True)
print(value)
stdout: 12:45
